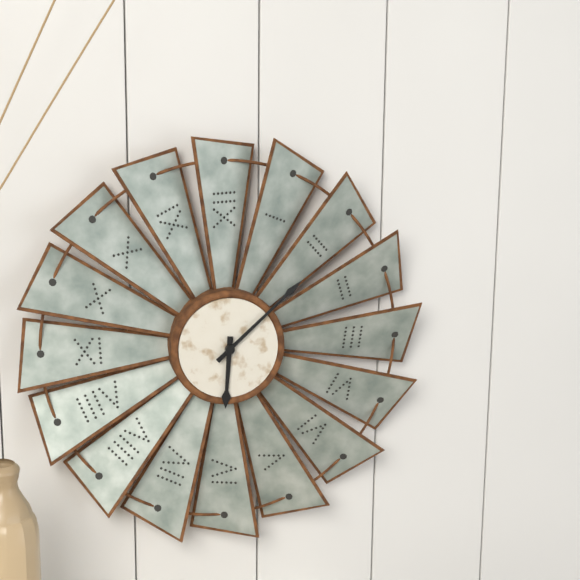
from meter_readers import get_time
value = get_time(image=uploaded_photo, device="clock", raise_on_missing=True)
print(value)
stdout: 6:08
